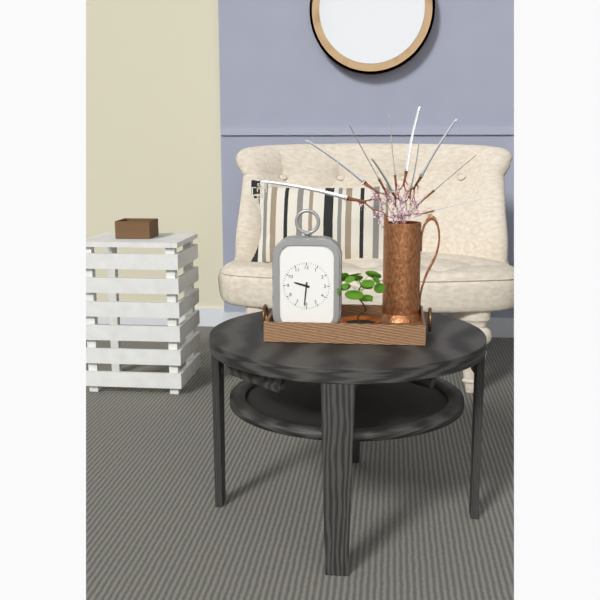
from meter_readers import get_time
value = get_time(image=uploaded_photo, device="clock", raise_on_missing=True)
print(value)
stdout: 9:31
